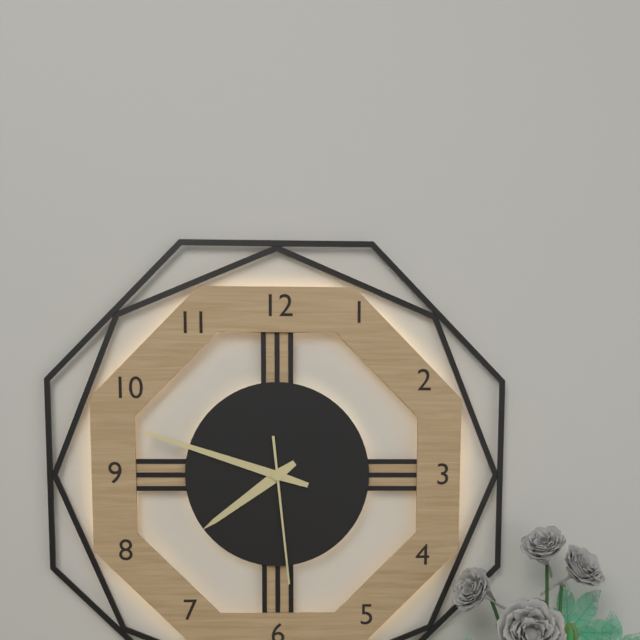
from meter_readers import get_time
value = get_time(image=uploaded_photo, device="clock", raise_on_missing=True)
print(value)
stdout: 7:48:29
